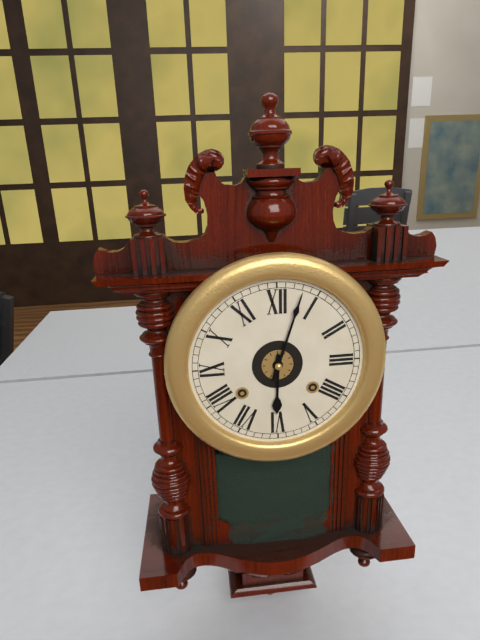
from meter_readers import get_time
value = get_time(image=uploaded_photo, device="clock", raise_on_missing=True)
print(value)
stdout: 6:03
